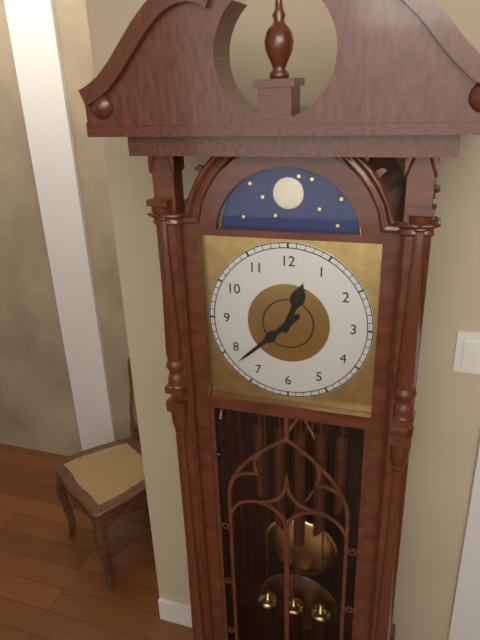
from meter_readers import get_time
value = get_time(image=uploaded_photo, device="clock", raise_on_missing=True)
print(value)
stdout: 12:38
